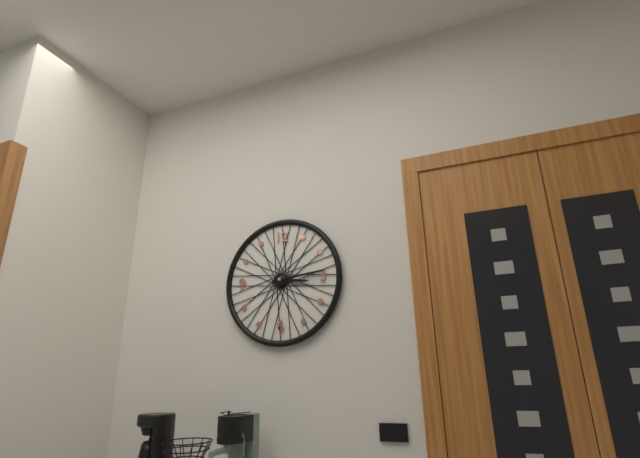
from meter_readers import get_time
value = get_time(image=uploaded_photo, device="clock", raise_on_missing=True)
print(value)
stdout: 3:14
